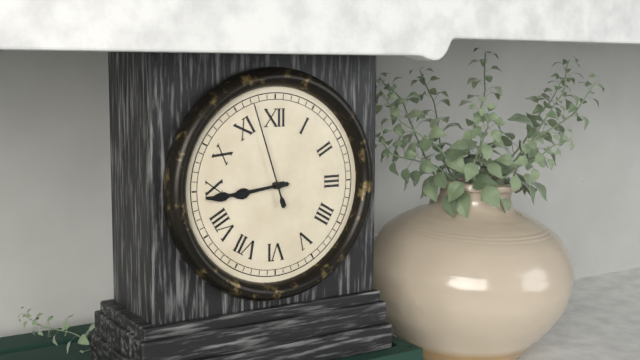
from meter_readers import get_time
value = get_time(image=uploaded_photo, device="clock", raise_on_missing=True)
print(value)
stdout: 8:44:57
